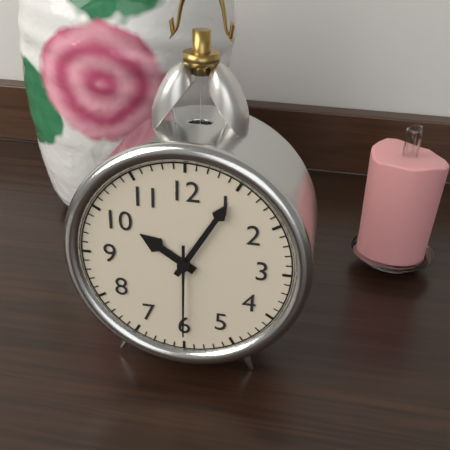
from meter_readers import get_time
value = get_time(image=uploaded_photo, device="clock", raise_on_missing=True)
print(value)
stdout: 10:05:30
